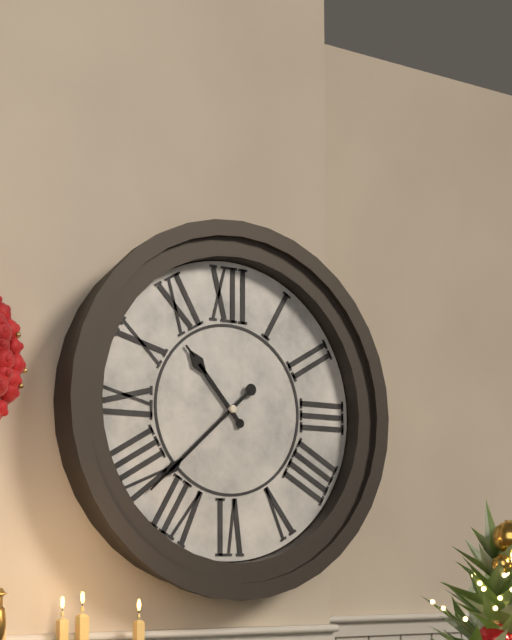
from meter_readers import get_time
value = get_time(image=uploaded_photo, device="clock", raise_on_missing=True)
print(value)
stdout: 10:38
